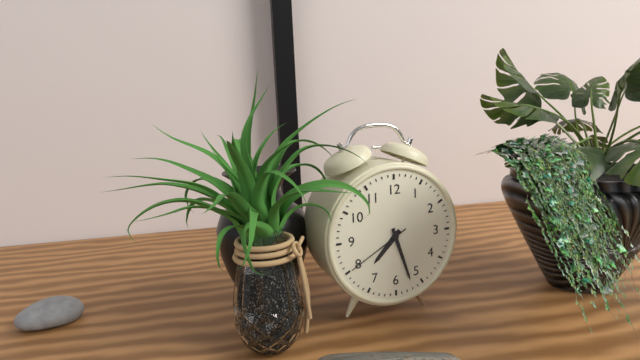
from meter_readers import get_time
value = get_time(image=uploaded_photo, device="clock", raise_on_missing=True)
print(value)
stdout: 7:27:40
